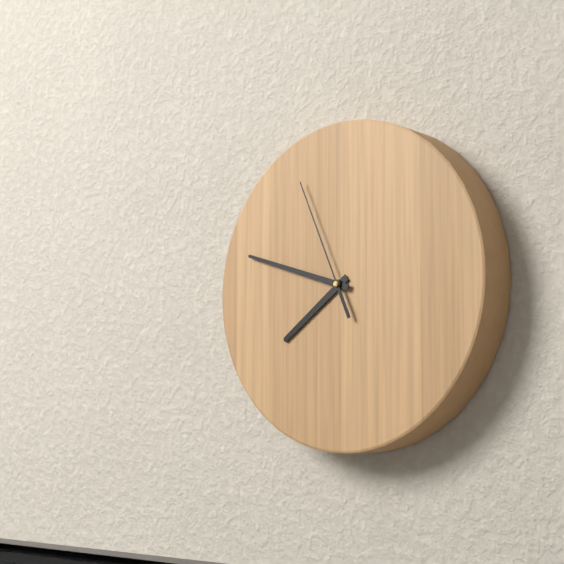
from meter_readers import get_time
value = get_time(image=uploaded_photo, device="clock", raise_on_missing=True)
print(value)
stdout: 7:48:56
